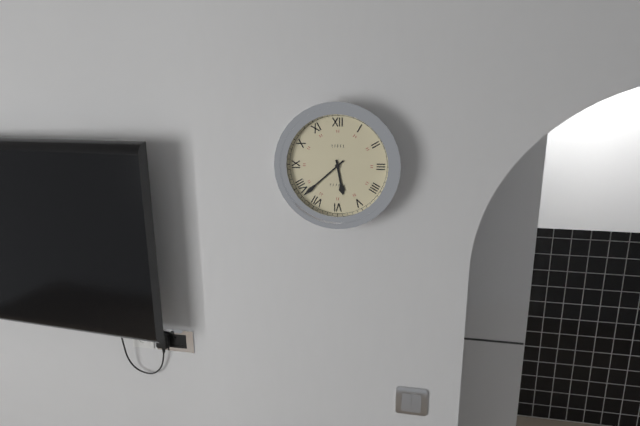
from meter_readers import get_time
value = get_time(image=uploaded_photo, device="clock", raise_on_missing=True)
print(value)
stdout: 5:38
